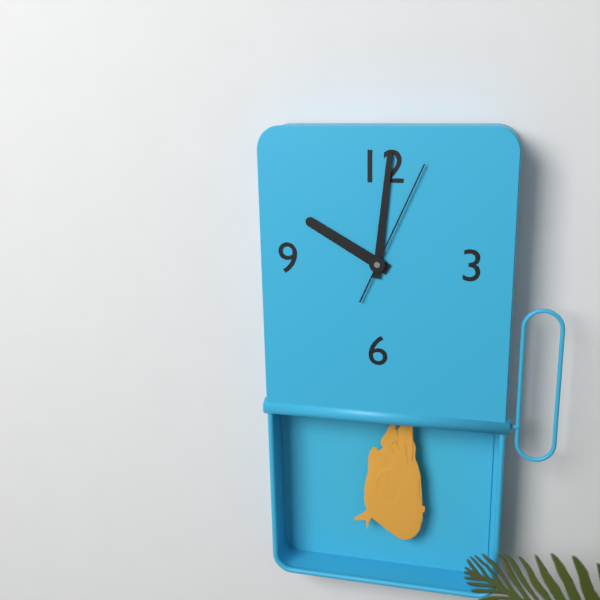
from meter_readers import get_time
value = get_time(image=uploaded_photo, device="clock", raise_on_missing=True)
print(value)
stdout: 10:01:04
